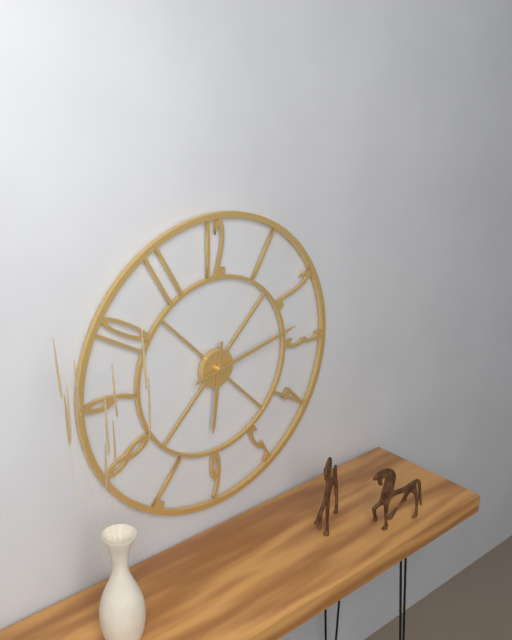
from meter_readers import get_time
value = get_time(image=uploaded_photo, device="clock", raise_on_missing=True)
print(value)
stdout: 6:13
